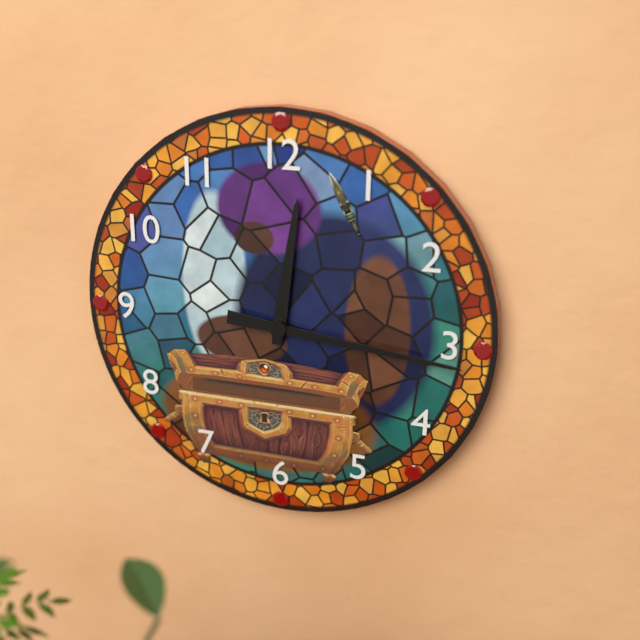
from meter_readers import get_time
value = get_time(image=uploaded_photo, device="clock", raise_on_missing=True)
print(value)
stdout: 12:16
